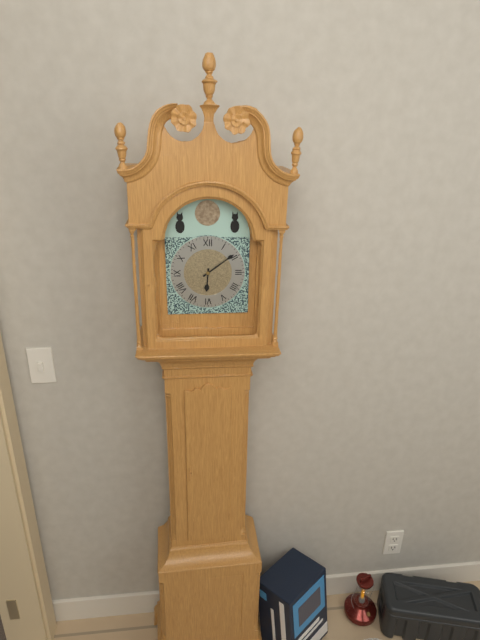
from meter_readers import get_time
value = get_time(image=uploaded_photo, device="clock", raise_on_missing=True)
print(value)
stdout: 6:09
